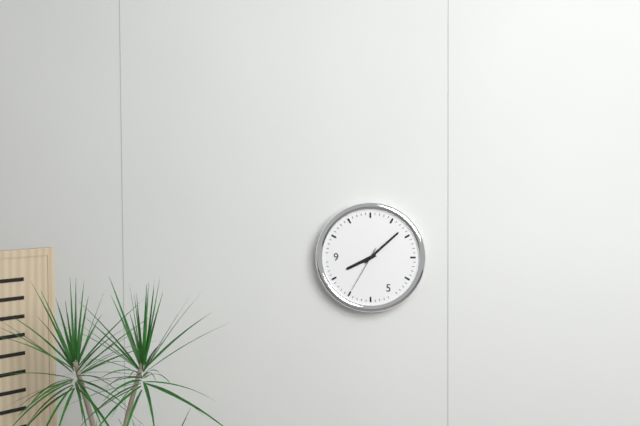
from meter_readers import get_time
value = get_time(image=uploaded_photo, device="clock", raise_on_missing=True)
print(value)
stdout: 8:08
